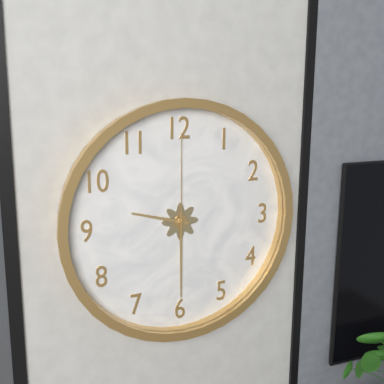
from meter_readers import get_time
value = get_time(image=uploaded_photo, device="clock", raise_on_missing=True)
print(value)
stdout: 9:30:00
